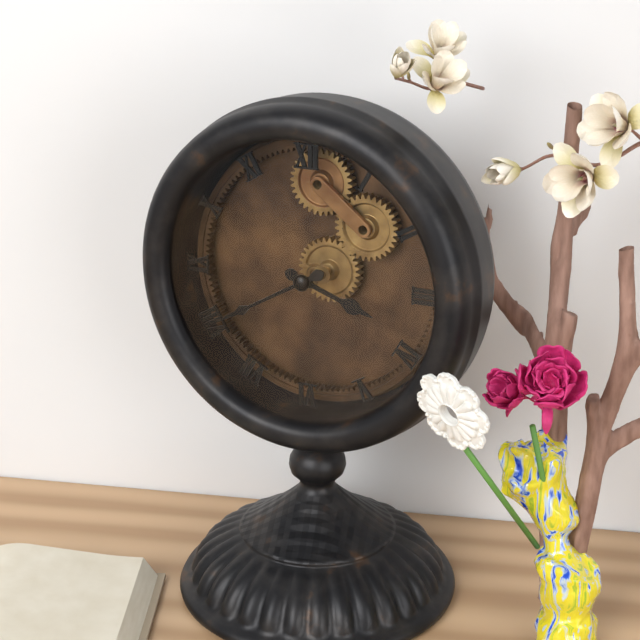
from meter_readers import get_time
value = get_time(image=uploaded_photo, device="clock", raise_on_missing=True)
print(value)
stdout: 3:40
